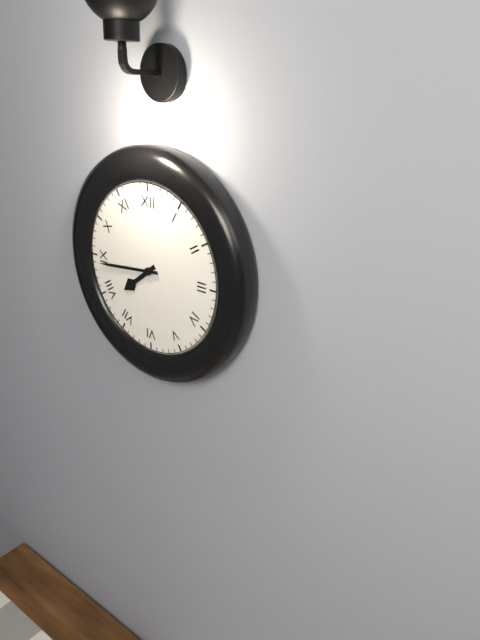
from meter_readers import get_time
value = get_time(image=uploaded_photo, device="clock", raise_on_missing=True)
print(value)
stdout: 7:44
